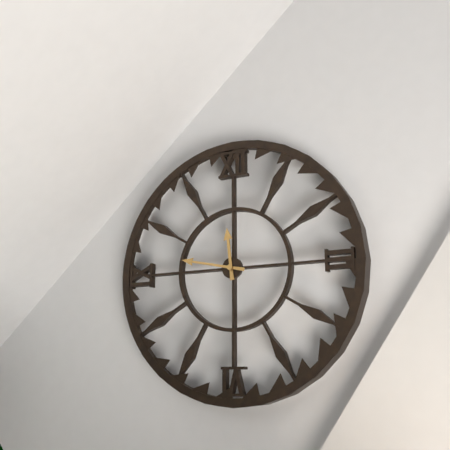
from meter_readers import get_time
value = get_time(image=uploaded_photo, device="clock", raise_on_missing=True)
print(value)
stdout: 11:47
